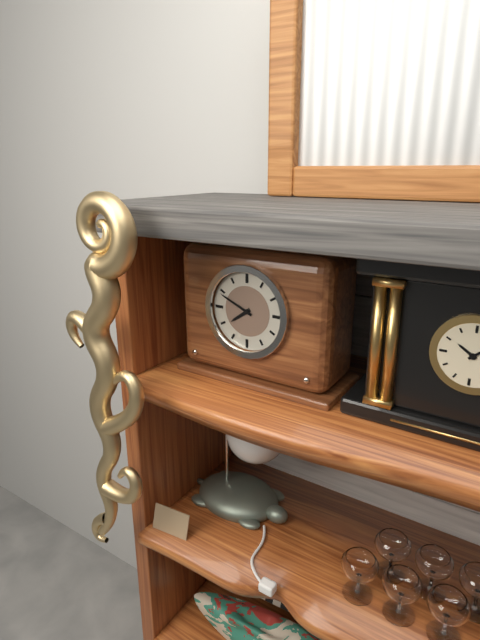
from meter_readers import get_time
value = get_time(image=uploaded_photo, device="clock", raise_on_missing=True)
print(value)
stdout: 7:49
